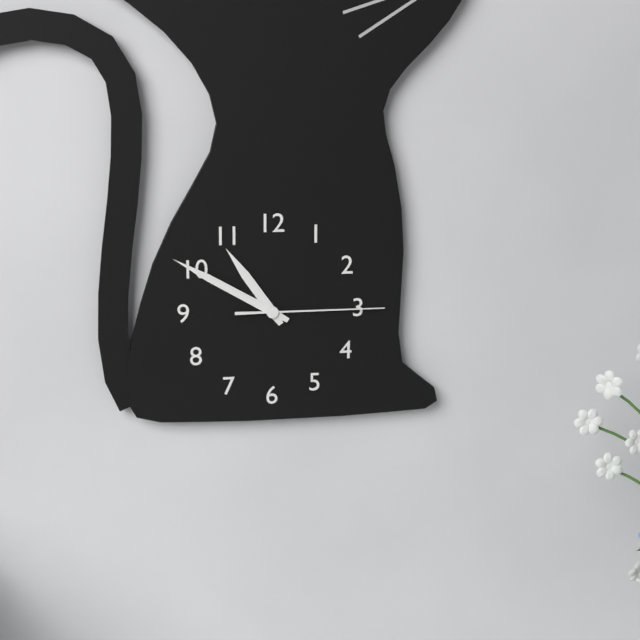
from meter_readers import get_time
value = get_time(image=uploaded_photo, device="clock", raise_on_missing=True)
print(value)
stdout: 10:50:15
